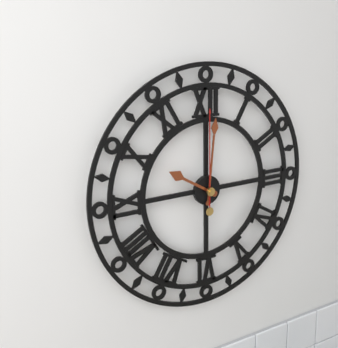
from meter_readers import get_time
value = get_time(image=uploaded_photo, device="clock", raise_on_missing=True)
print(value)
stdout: 10:01:00
